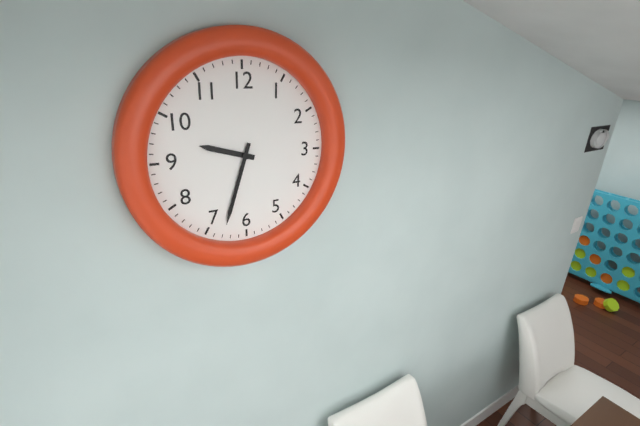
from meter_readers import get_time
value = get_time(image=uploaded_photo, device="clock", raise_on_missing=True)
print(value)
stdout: 9:33
